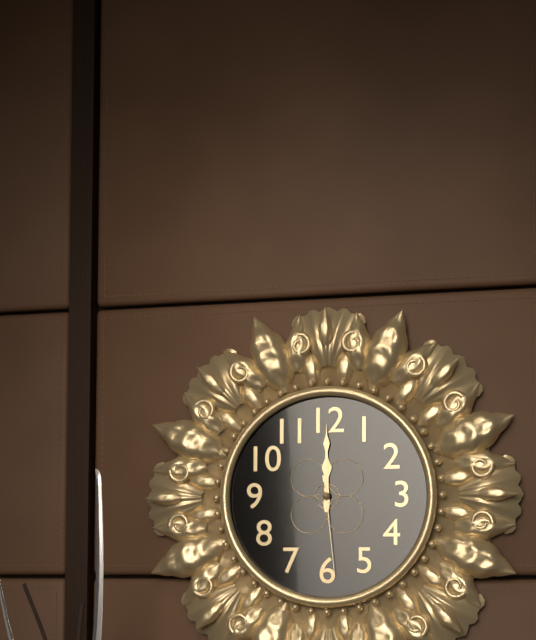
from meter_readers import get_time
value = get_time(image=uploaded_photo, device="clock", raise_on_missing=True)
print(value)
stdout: 12:00:29
